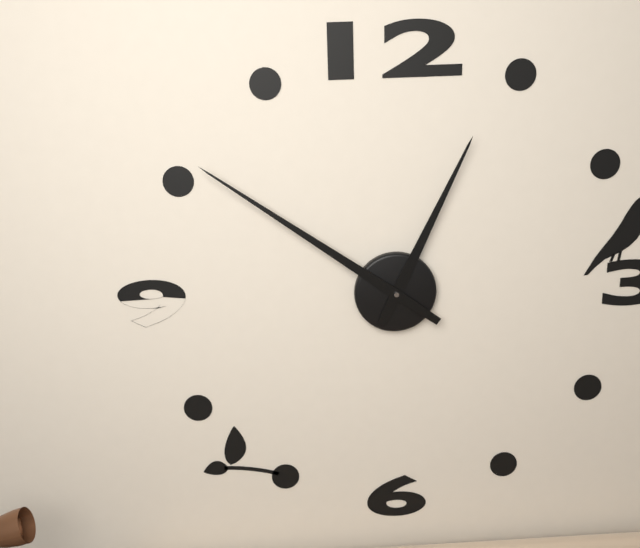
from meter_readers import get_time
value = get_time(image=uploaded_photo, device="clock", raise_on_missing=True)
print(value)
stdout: 12:51
